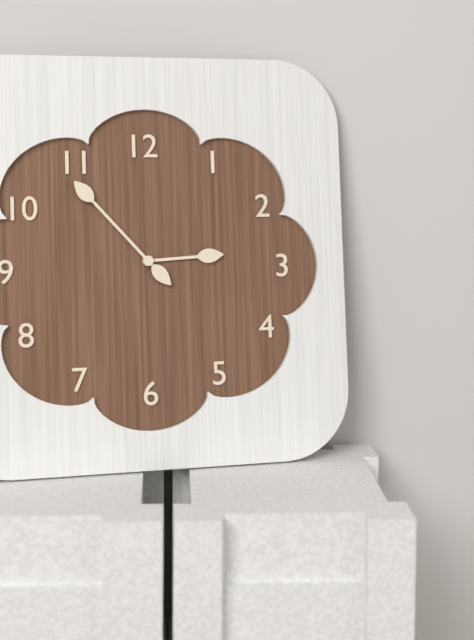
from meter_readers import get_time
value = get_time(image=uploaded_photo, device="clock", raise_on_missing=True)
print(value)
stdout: 2:53
